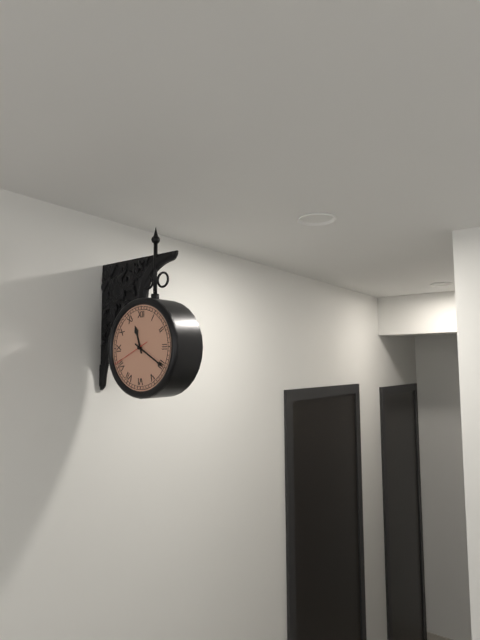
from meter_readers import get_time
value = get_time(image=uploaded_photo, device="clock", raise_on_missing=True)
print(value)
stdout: 11:20:41
